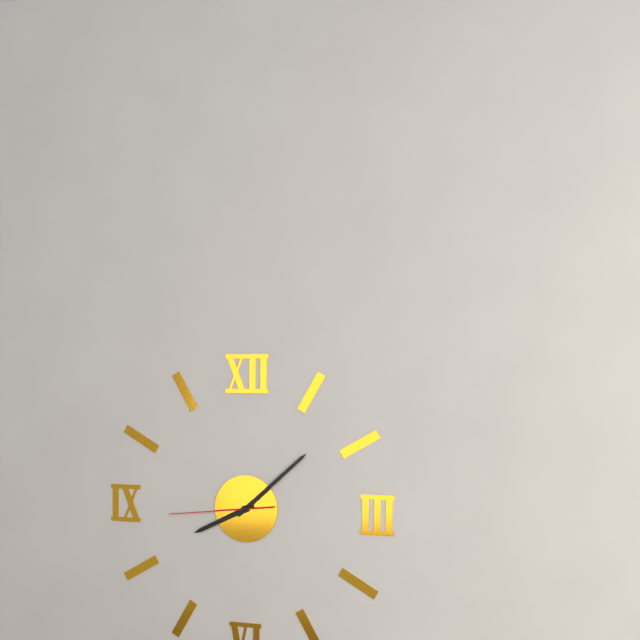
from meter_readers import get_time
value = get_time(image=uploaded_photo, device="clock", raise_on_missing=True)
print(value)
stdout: 8:08:44
